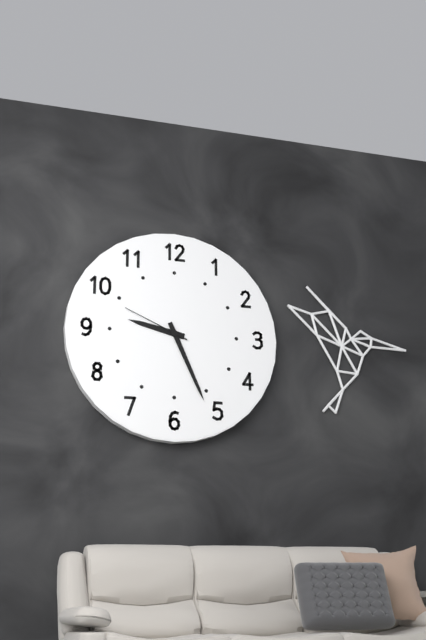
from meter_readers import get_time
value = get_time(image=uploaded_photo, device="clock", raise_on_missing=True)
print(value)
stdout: 9:26:49
